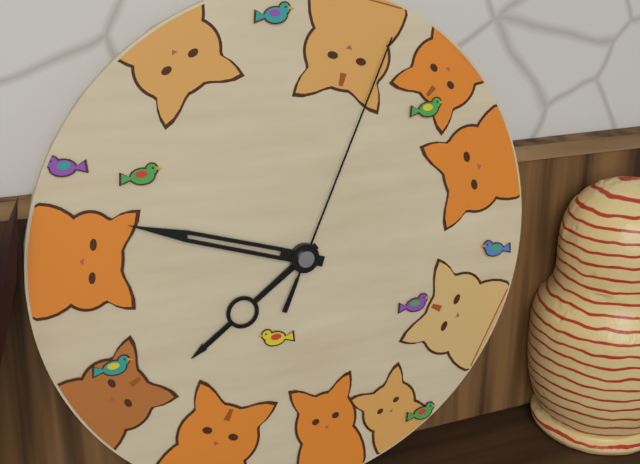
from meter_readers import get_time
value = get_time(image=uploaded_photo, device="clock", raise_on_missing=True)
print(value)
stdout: 7:48:04
